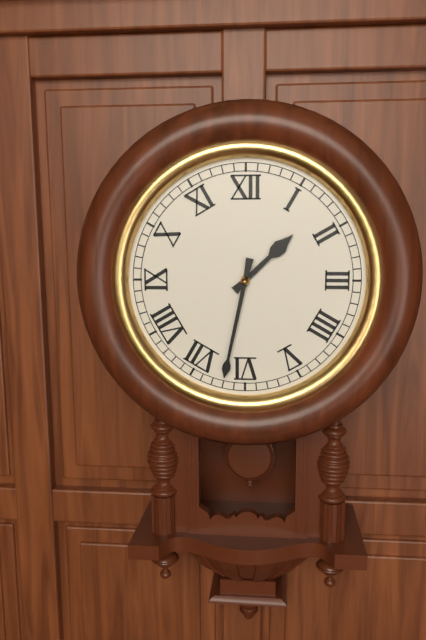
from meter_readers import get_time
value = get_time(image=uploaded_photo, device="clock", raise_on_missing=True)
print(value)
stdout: 1:32
